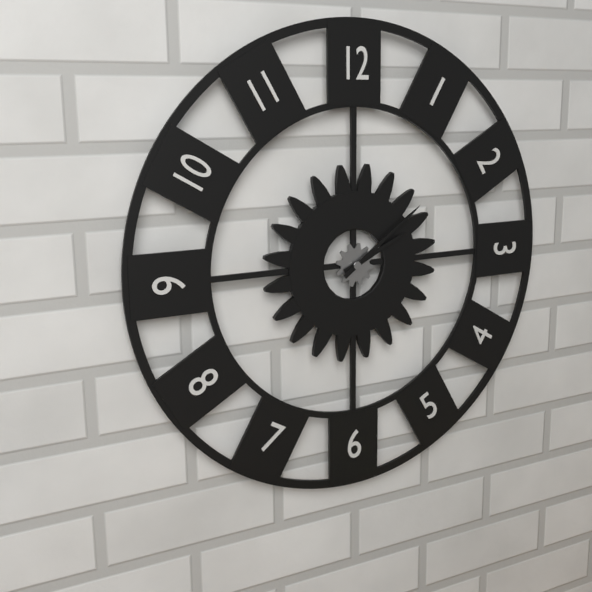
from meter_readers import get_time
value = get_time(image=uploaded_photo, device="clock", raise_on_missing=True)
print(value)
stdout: 2:09
